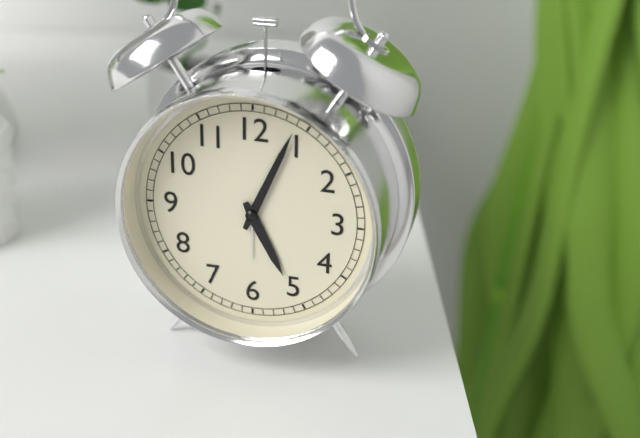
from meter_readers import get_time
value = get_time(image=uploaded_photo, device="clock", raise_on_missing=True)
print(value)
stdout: 5:04
